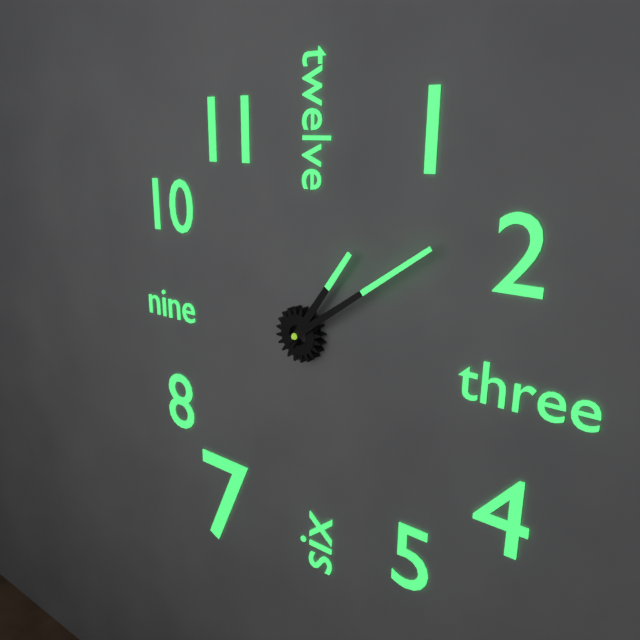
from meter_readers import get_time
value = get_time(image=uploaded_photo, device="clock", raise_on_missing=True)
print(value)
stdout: 1:09
